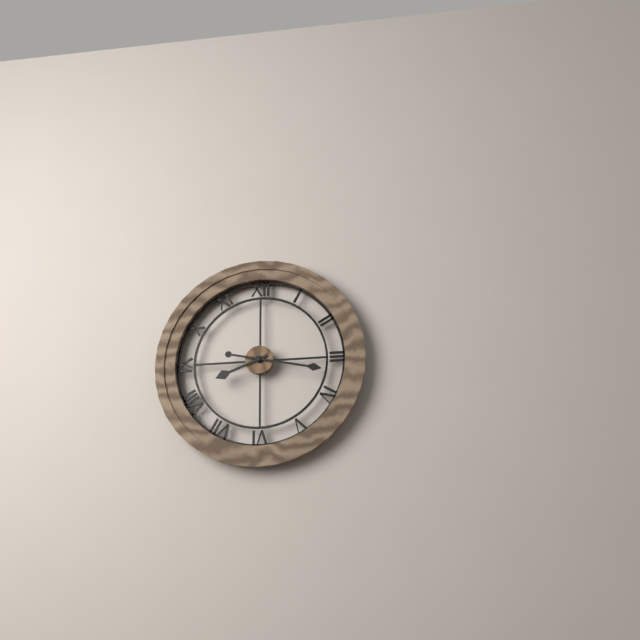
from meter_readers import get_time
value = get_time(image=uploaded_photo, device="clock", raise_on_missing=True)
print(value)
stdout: 8:17
